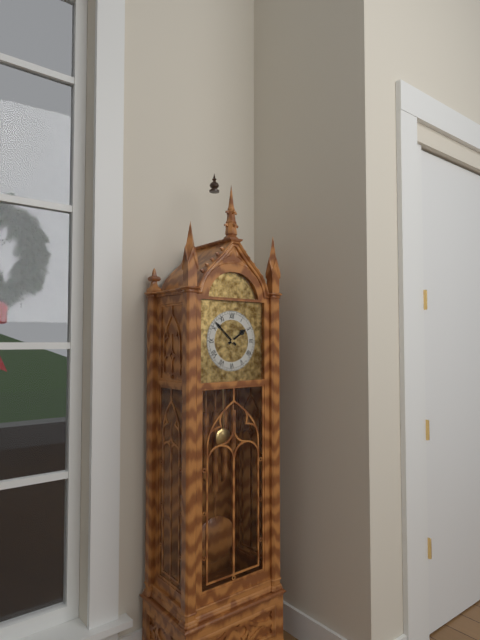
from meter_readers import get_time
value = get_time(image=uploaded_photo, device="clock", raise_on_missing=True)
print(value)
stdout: 1:52
